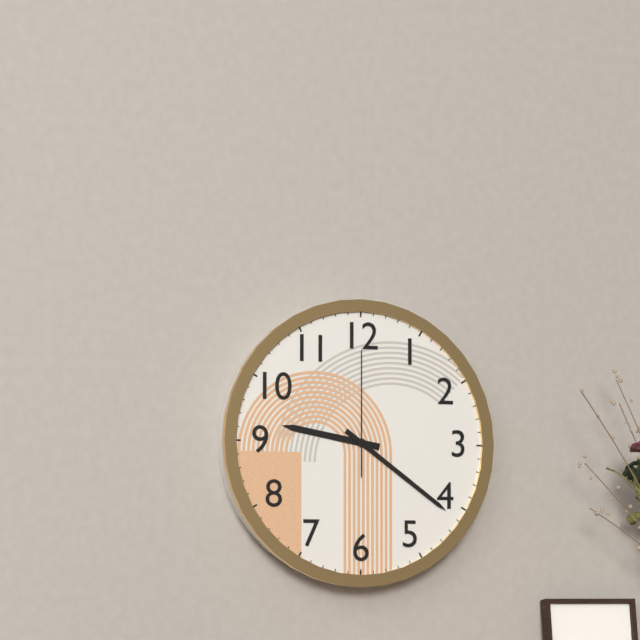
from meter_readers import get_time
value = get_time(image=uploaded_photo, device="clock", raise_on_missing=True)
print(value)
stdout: 9:21:00
